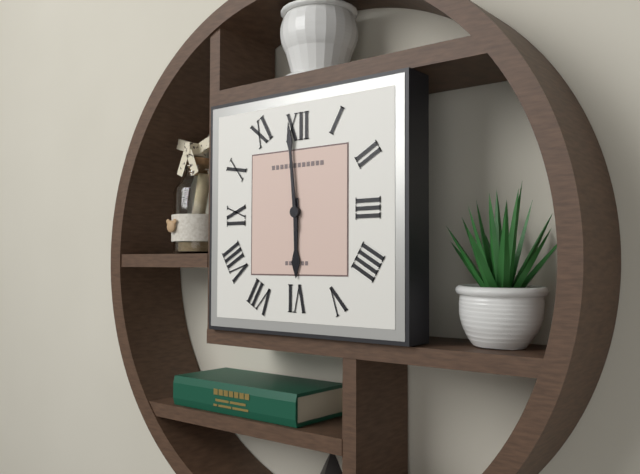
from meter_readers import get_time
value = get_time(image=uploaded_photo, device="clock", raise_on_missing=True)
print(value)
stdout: 5:59
